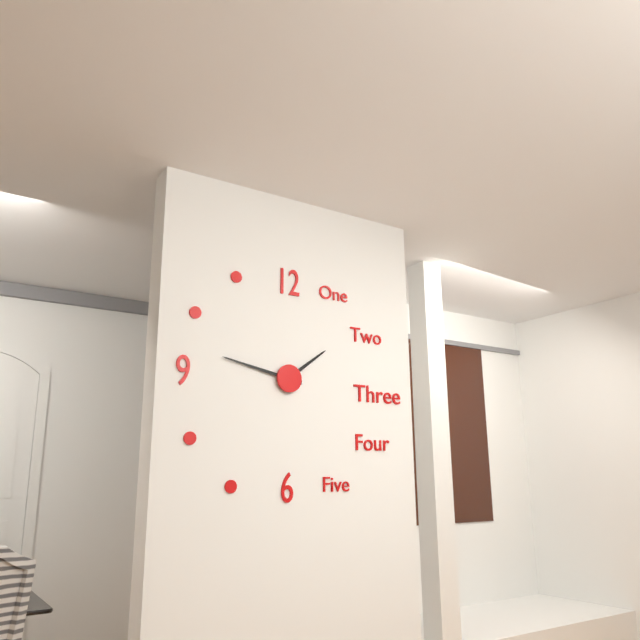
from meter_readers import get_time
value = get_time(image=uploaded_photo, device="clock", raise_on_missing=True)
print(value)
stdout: 1:47
